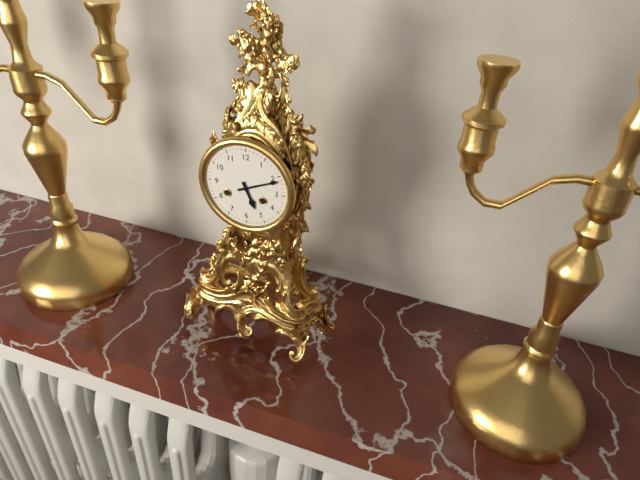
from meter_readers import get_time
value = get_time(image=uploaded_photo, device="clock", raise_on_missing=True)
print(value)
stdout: 5:11
